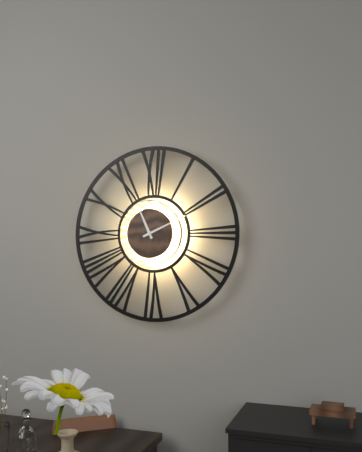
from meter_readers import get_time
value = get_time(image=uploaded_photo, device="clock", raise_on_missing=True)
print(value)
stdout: 11:11
